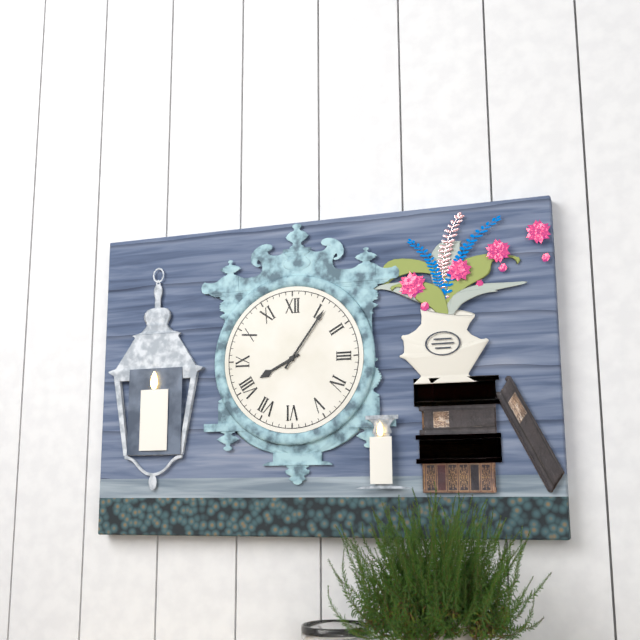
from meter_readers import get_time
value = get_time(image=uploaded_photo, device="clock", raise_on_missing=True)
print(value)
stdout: 8:06
